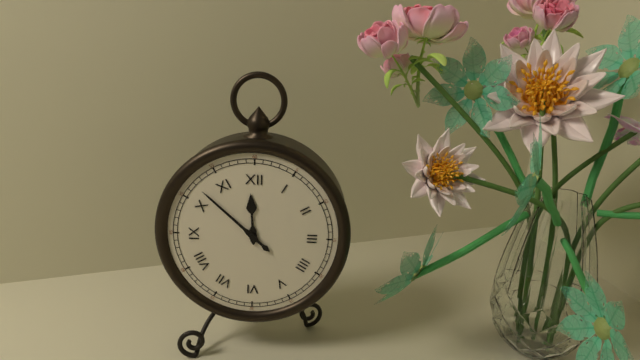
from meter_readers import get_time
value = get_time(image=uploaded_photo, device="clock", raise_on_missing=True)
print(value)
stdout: 11:52
